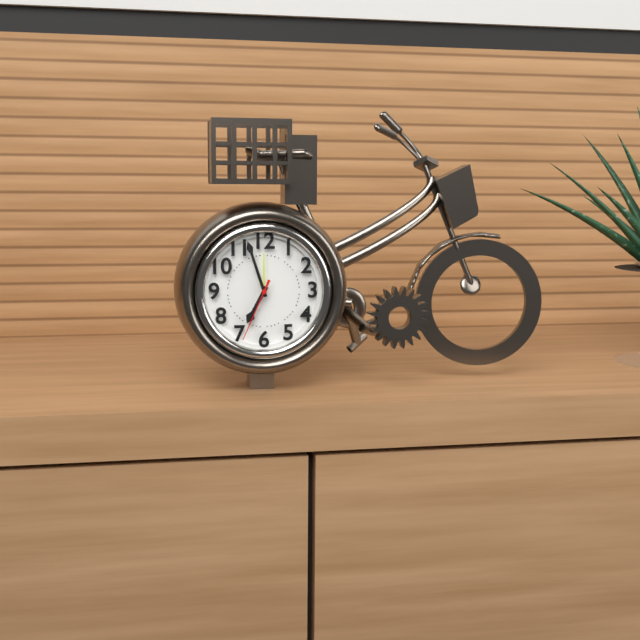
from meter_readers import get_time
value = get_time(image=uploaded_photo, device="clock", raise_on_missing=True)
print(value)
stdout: 6:57:34
